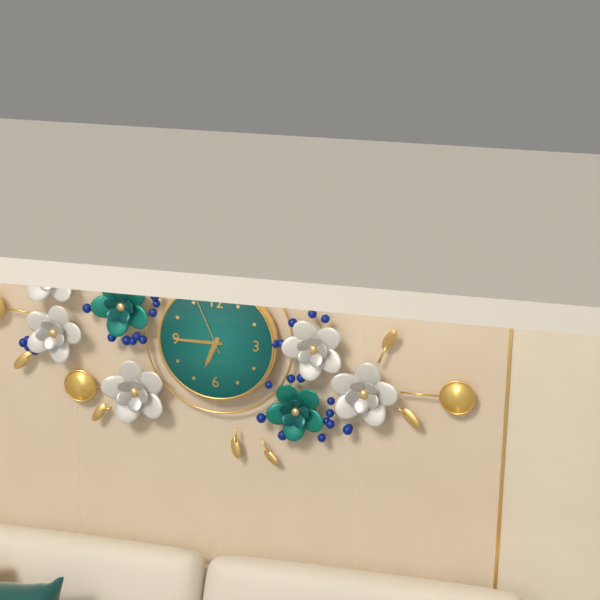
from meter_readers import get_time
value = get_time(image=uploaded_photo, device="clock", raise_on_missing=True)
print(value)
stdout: 6:45:56
